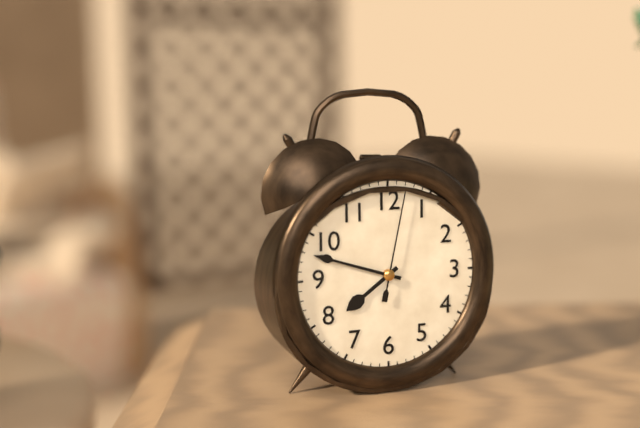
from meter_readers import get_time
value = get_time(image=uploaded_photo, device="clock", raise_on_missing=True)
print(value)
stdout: 7:48:02
